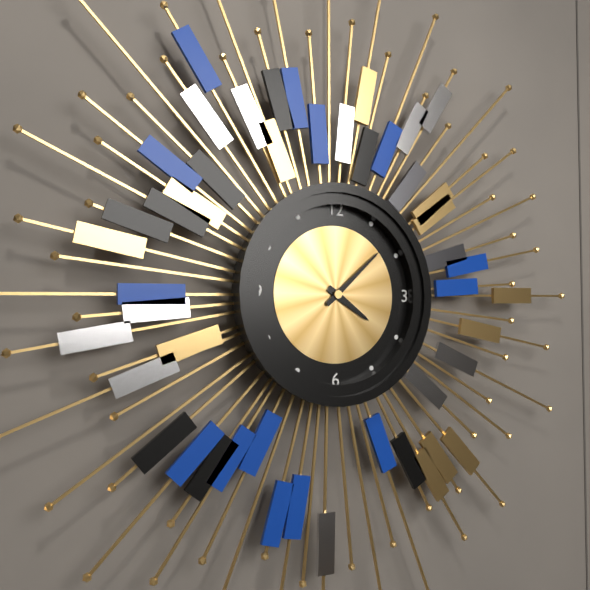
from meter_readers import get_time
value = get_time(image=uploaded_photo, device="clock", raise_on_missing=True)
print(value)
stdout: 4:08
